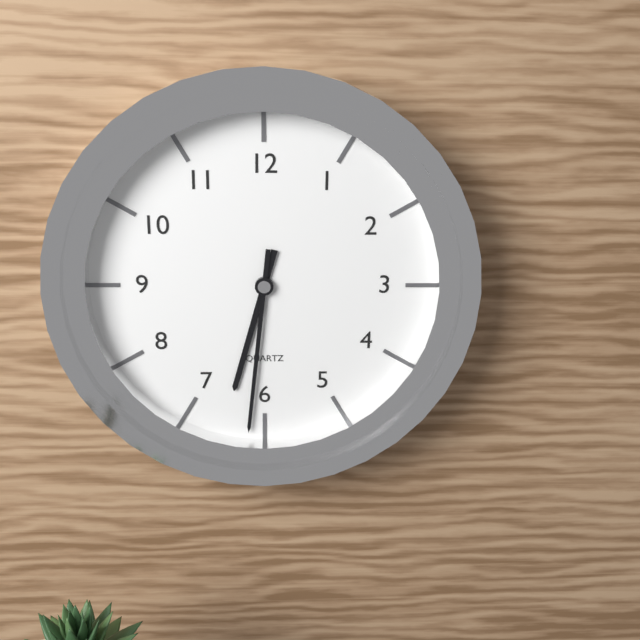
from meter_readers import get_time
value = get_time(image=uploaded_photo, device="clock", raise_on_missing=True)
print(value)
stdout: 6:31
